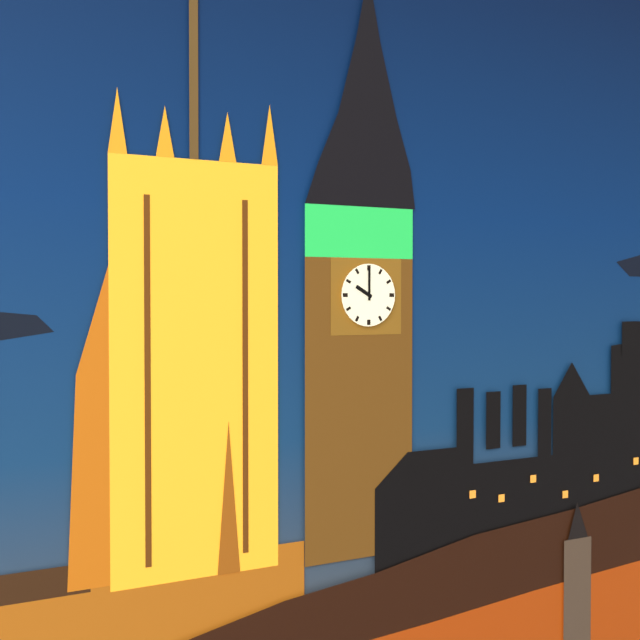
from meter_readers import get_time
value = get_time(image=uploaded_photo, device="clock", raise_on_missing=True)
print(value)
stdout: 10:00
